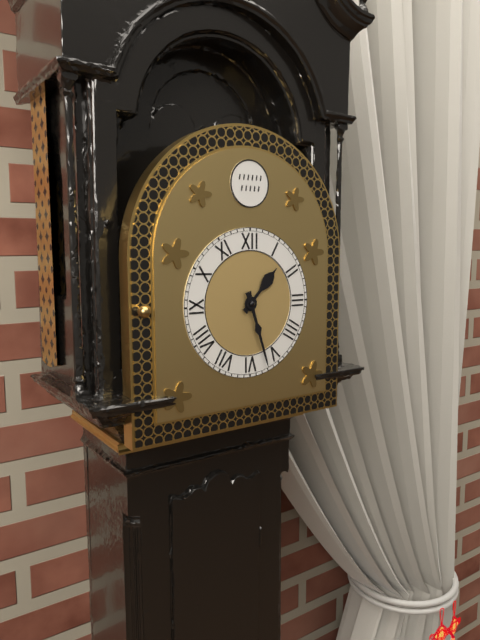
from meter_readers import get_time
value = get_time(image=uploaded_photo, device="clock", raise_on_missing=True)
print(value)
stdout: 1:27
